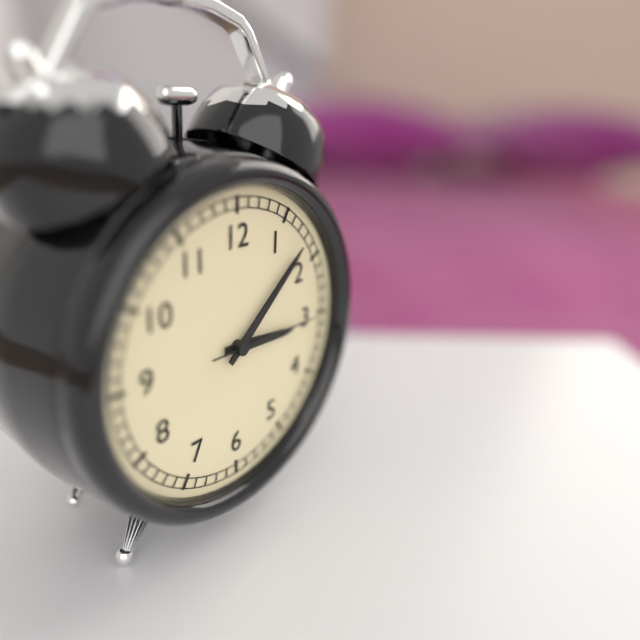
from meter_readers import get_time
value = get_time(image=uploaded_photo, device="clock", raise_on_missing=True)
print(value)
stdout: 3:08:15
